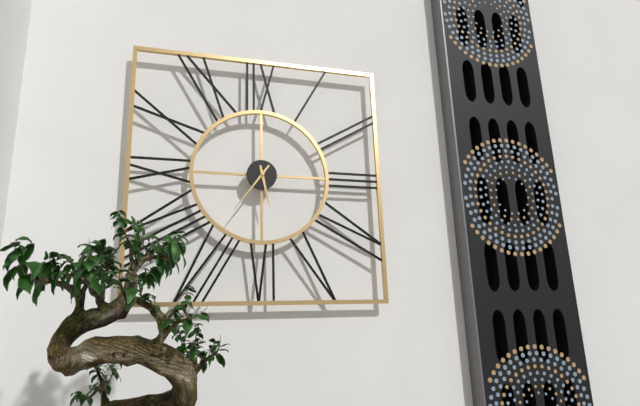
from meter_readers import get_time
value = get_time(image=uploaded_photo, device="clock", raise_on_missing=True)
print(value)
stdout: 5:36
